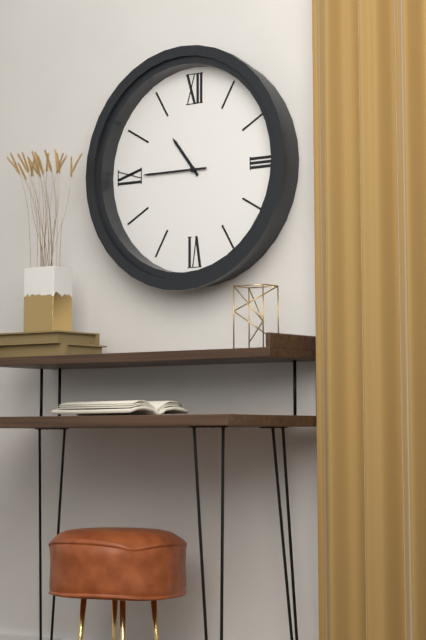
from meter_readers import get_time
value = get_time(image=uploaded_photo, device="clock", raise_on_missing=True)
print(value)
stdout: 10:45
